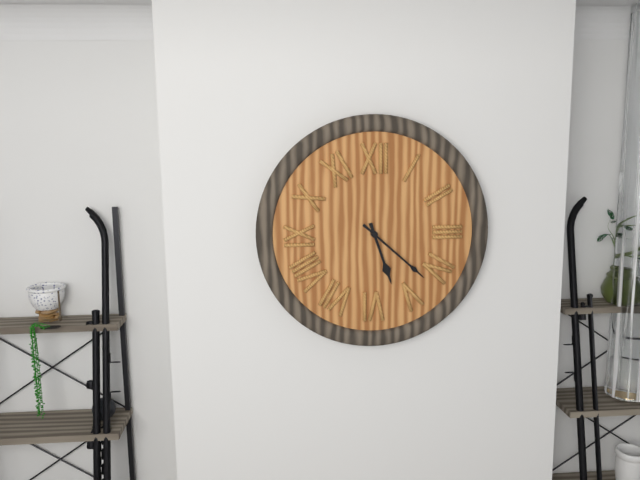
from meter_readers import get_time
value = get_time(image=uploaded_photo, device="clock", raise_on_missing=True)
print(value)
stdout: 5:22
